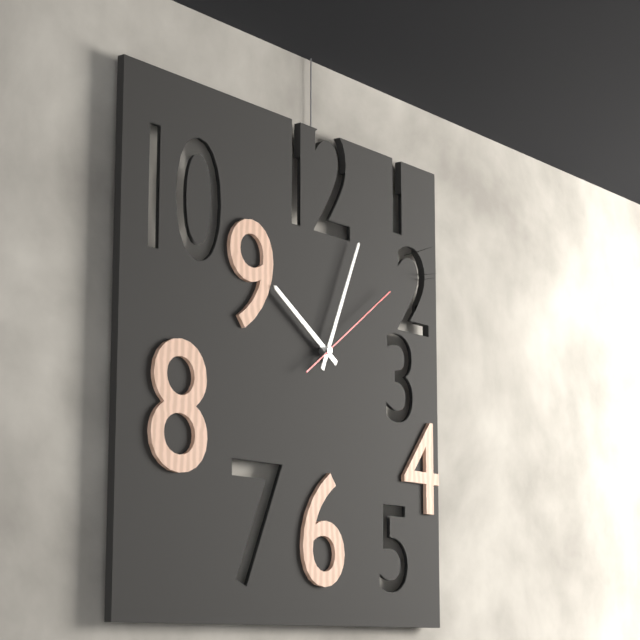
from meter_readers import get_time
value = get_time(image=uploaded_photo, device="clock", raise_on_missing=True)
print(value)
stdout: 10:04:09
